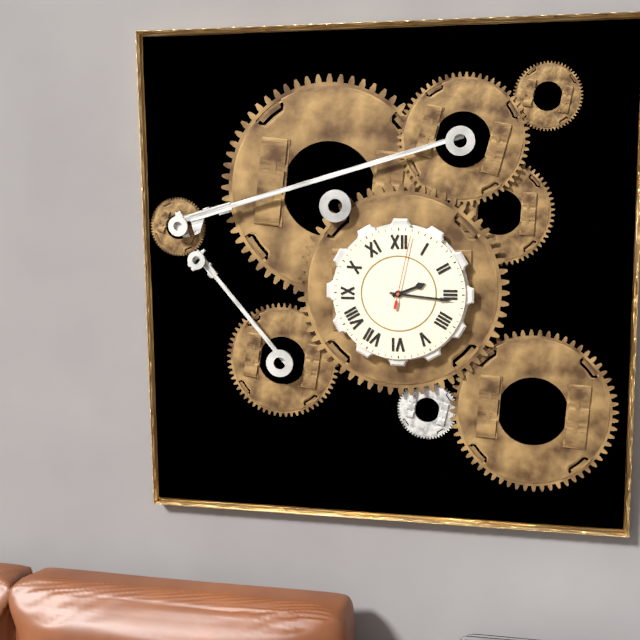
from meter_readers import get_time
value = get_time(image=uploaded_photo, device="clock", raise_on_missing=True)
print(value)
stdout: 2:16:02
